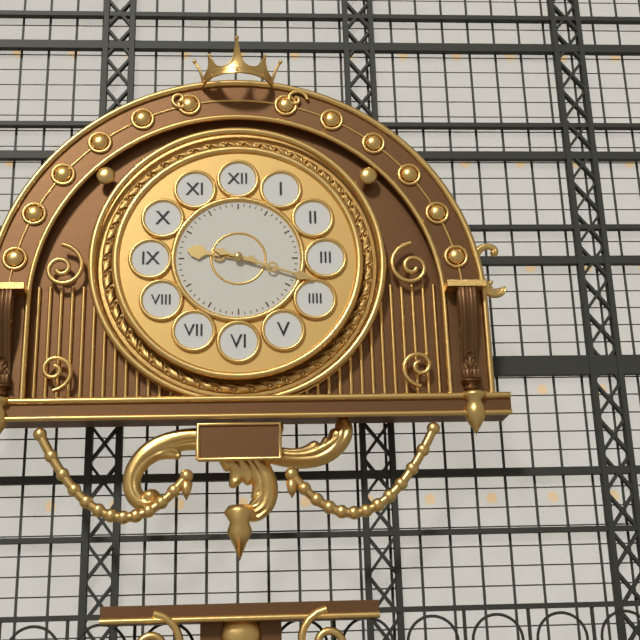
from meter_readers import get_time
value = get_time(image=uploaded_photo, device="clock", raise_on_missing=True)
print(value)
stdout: 9:18
